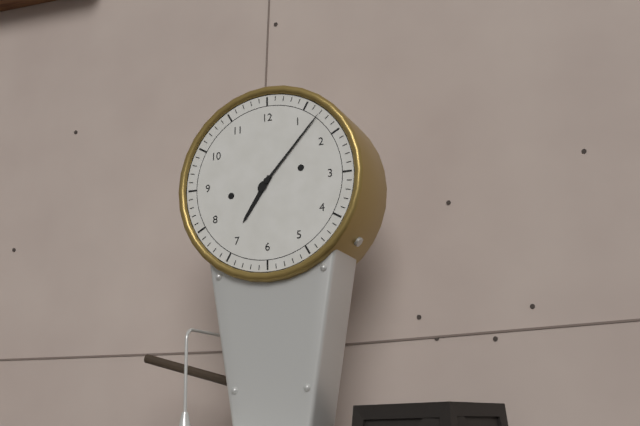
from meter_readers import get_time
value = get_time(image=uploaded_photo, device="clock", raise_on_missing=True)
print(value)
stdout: 7:07
